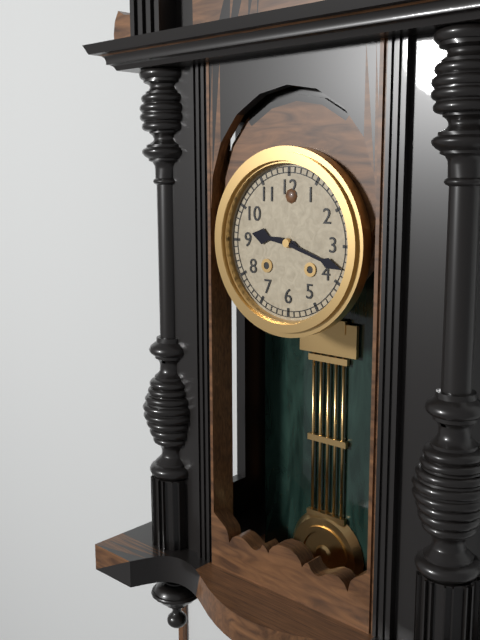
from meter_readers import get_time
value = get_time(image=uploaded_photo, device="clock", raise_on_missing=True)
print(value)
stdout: 9:18
